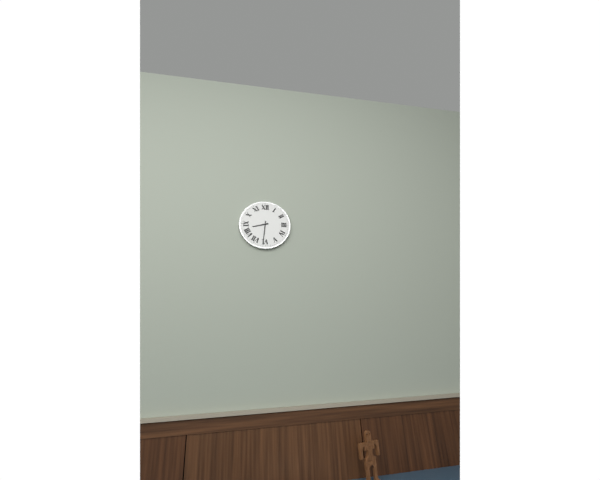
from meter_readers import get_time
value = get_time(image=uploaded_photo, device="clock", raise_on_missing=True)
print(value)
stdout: 8:31
